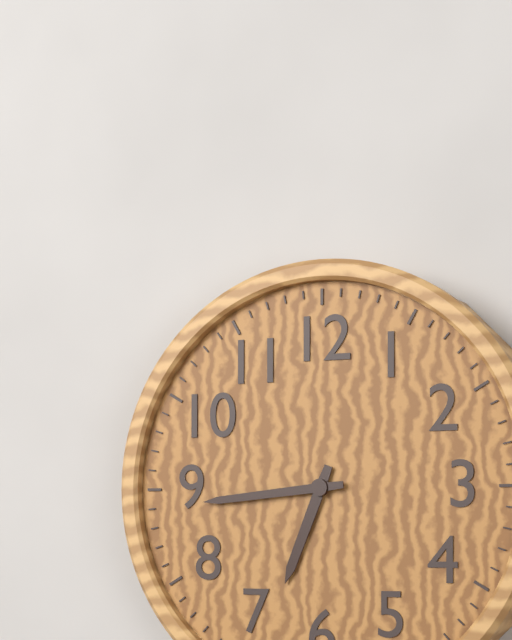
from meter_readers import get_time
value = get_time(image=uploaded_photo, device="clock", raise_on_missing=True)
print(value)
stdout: 6:44
